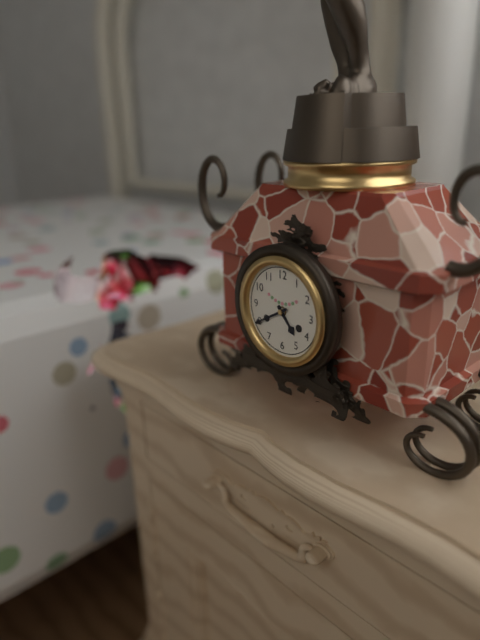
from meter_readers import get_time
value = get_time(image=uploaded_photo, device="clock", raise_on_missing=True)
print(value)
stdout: 4:40
